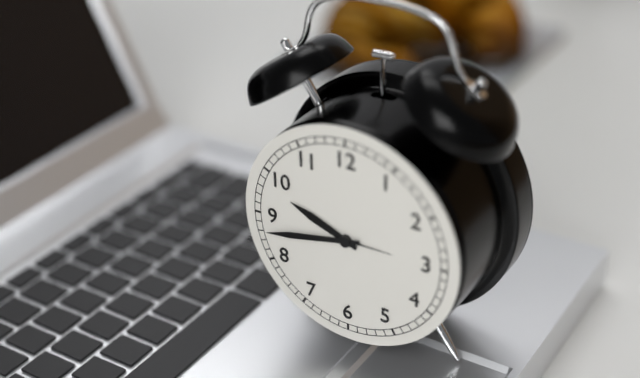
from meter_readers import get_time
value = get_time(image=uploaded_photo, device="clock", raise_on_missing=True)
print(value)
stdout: 9:43
